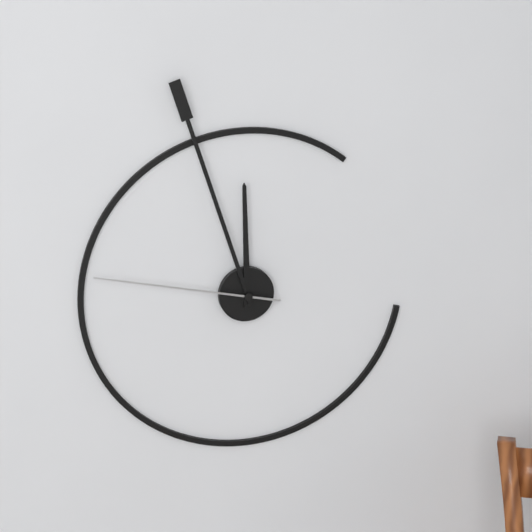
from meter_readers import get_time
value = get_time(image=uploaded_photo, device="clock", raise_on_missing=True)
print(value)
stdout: 11:57:47
